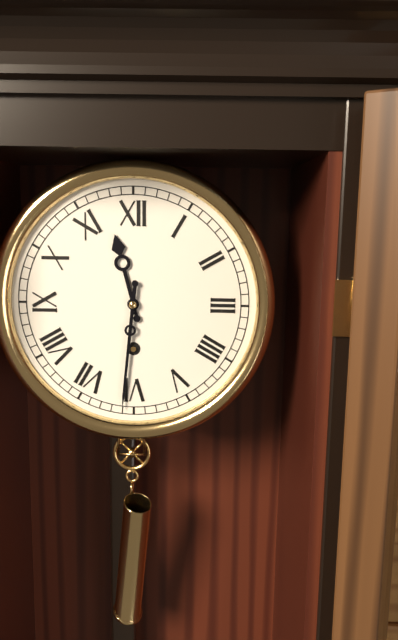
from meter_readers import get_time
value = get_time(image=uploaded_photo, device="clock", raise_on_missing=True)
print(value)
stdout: 11:31
